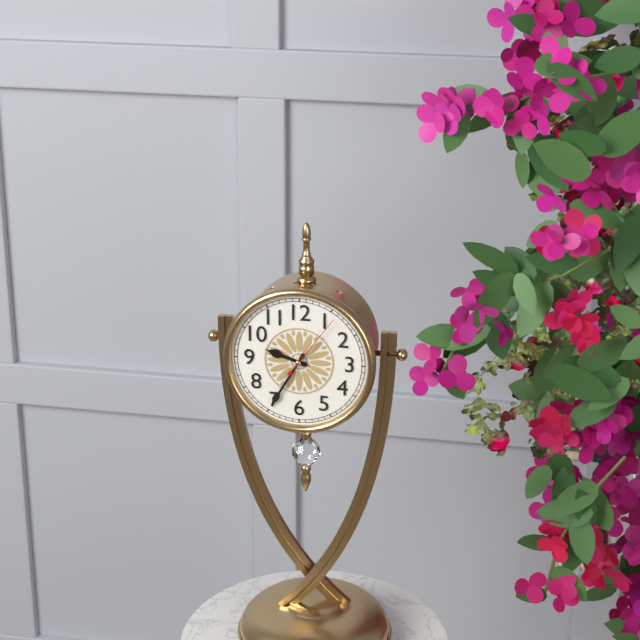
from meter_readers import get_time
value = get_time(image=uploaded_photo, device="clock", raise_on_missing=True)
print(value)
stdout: 9:35:06
